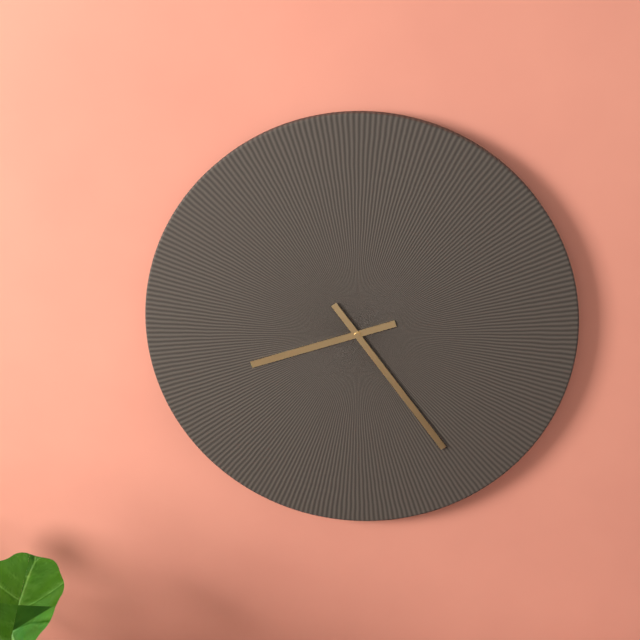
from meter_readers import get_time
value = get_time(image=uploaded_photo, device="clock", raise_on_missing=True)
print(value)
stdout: 8:24
